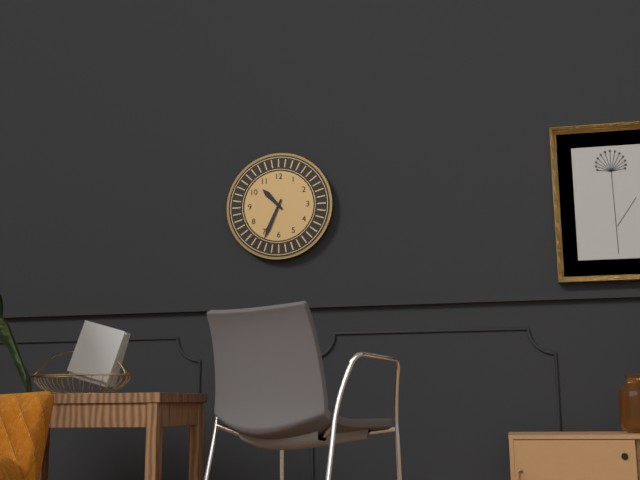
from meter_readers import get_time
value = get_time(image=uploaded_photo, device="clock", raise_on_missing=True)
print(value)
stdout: 10:34
